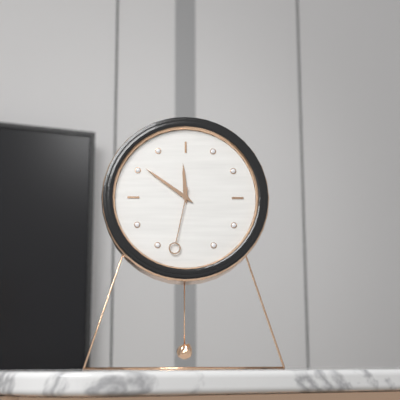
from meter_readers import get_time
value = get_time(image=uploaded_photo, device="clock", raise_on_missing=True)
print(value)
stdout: 11:51:32
